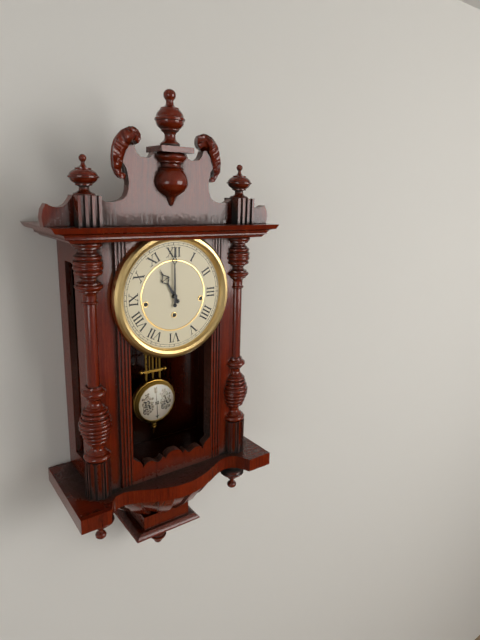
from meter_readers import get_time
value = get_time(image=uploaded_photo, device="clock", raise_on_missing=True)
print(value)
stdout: 11:00
